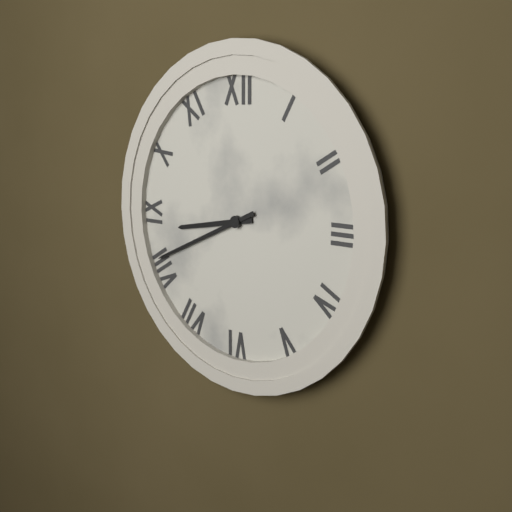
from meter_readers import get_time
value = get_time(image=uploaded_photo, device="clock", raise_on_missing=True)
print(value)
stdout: 8:41
